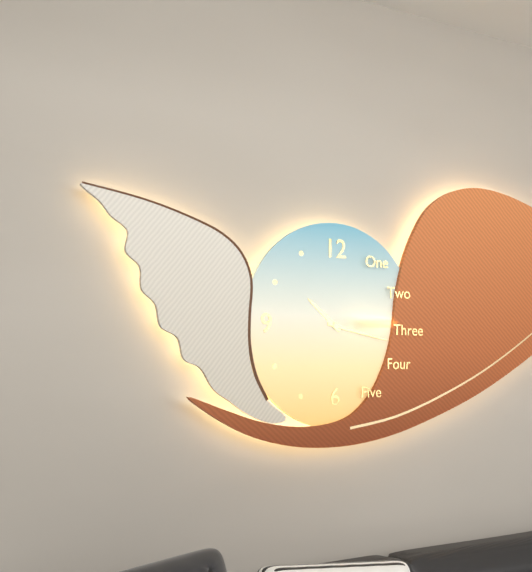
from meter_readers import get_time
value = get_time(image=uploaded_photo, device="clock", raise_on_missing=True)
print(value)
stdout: 10:17
